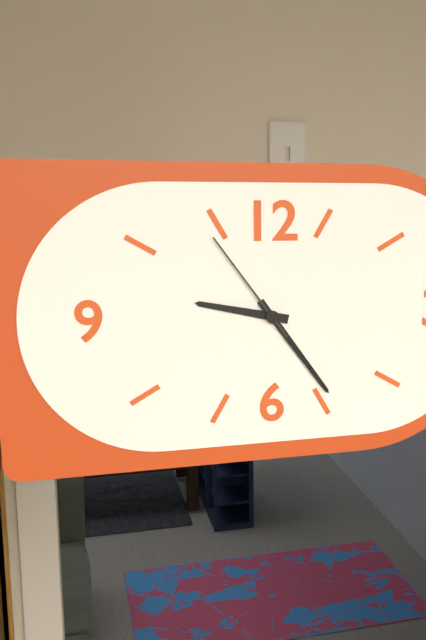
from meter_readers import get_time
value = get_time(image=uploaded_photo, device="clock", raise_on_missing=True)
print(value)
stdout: 9:24:54
